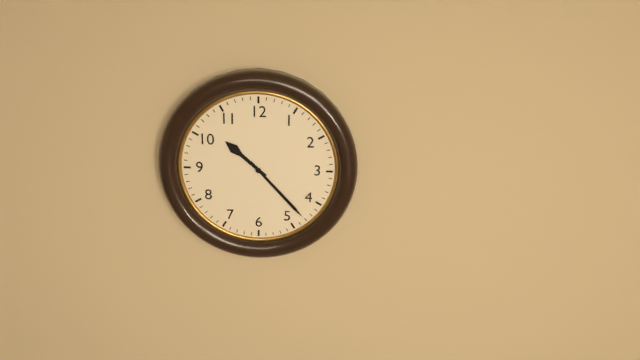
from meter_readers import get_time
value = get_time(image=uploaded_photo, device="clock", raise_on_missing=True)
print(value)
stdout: 10:23
